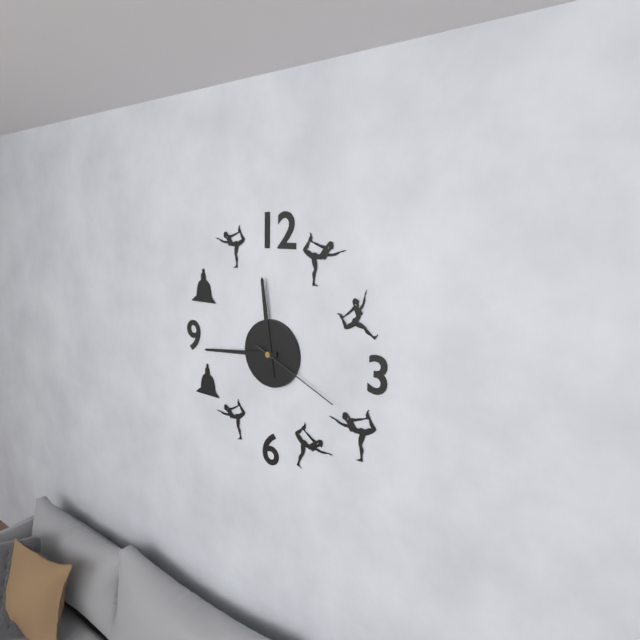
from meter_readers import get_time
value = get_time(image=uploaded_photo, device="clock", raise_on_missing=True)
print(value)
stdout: 11:44:19
